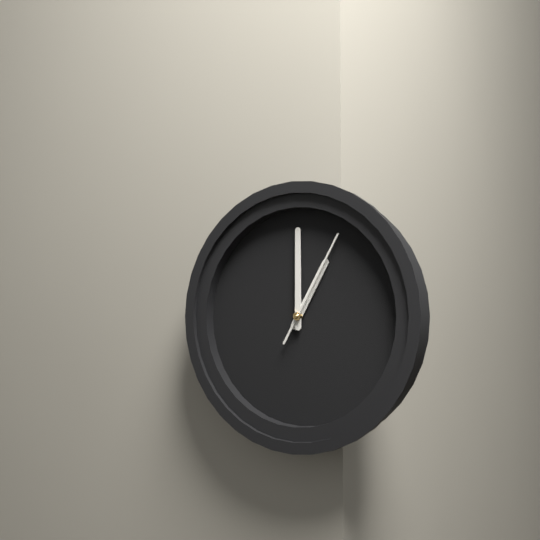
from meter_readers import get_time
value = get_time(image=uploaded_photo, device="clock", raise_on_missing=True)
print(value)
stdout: 1:00:05
